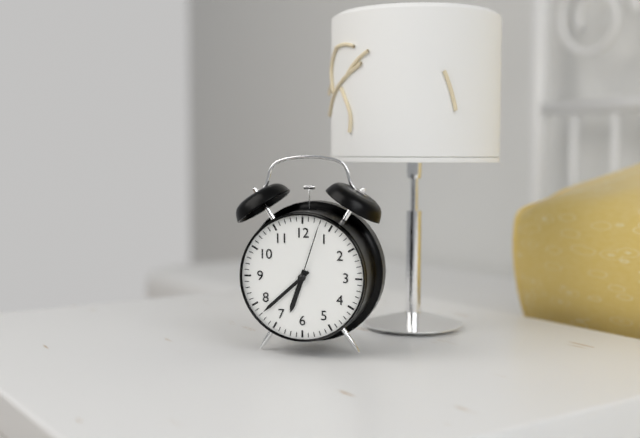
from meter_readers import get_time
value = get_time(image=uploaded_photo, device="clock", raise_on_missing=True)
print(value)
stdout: 6:38:03
